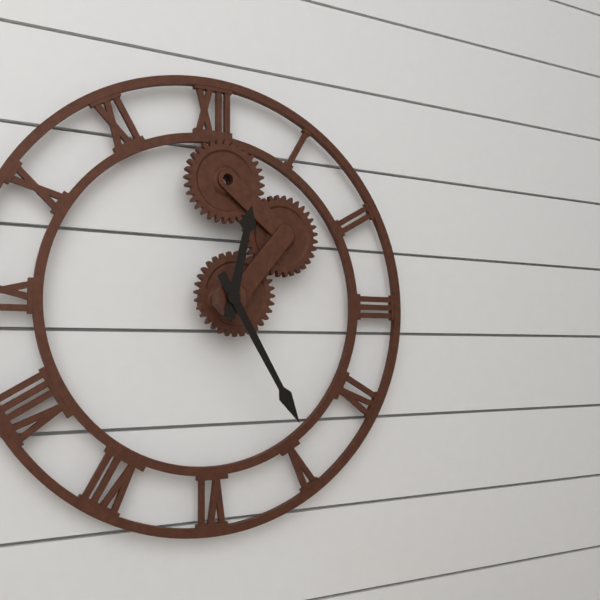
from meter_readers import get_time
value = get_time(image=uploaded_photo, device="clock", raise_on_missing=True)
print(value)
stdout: 12:25
